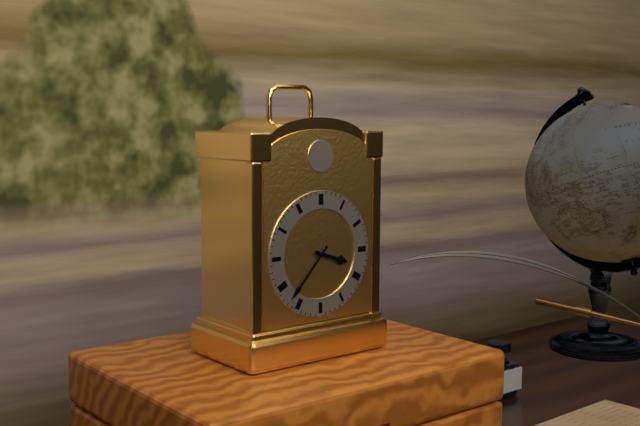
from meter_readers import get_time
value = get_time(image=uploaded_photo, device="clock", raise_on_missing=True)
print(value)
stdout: 3:37
